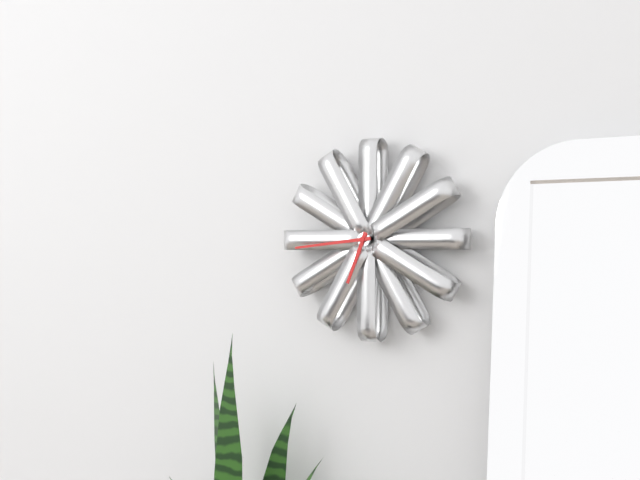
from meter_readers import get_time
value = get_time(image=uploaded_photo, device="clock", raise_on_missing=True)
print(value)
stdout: 6:44
